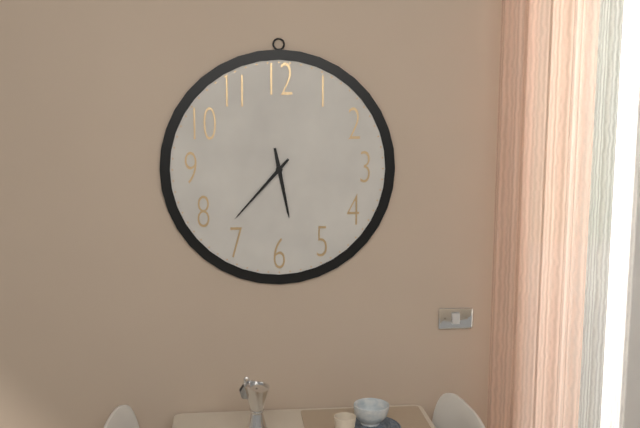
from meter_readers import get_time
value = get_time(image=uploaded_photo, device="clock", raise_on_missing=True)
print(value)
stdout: 5:37
